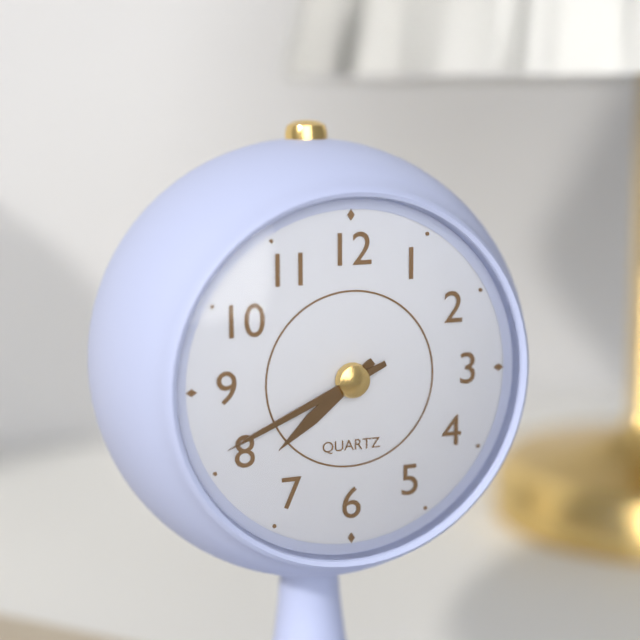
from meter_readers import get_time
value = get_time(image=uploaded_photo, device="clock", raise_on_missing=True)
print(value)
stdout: 7:41
